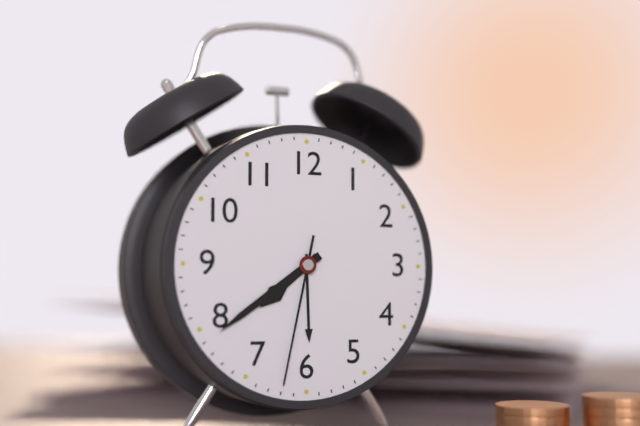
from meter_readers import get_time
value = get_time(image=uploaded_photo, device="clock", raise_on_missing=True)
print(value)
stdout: 7:39:32
